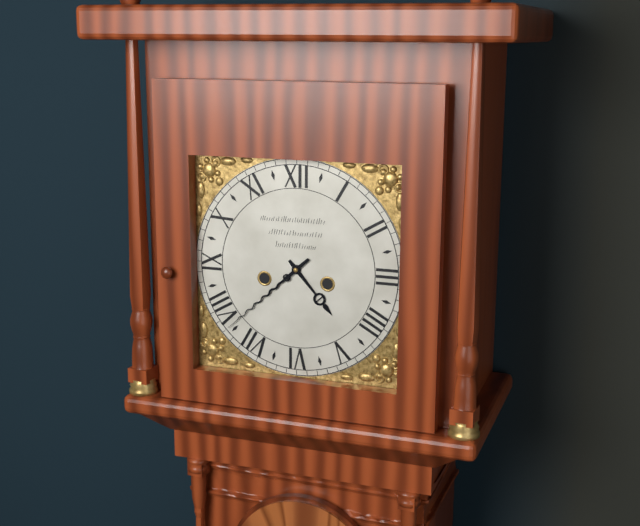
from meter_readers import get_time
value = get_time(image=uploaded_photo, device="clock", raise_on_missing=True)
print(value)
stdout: 4:38
